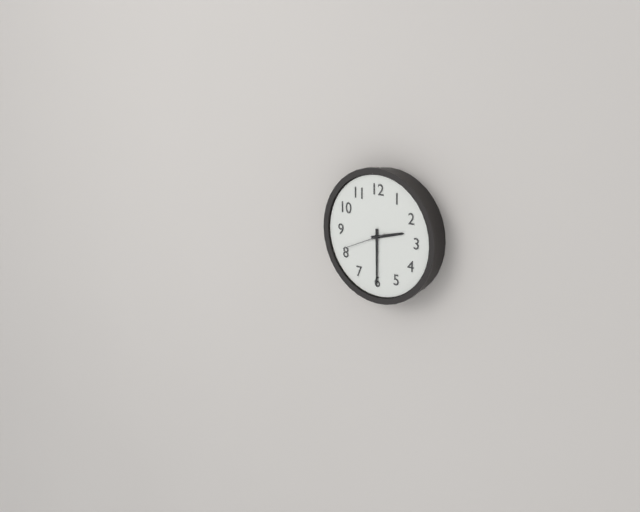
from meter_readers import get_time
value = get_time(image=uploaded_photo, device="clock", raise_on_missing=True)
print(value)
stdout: 2:30
